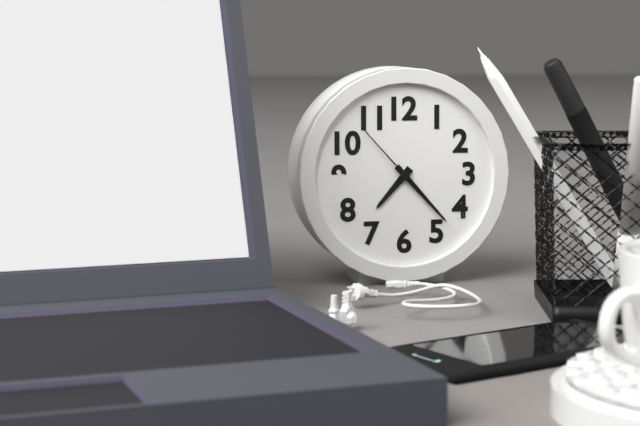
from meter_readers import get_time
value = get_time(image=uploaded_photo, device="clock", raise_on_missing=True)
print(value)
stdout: 7:23:53
